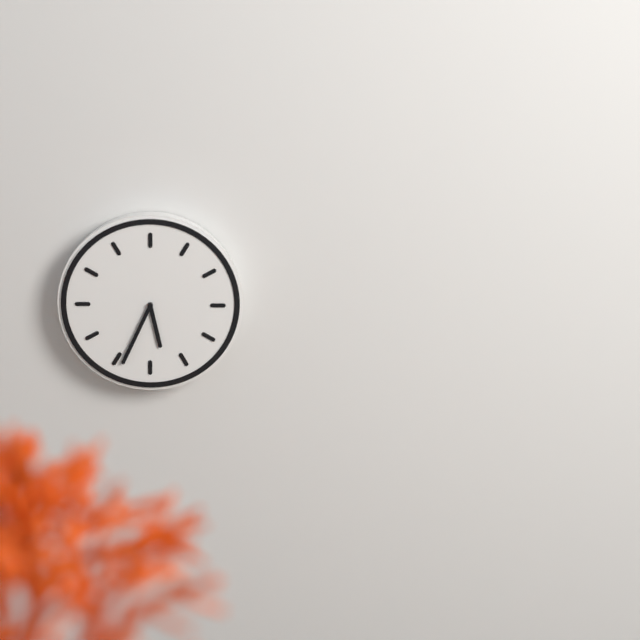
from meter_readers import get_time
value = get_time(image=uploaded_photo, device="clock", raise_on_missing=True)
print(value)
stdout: 5:34
